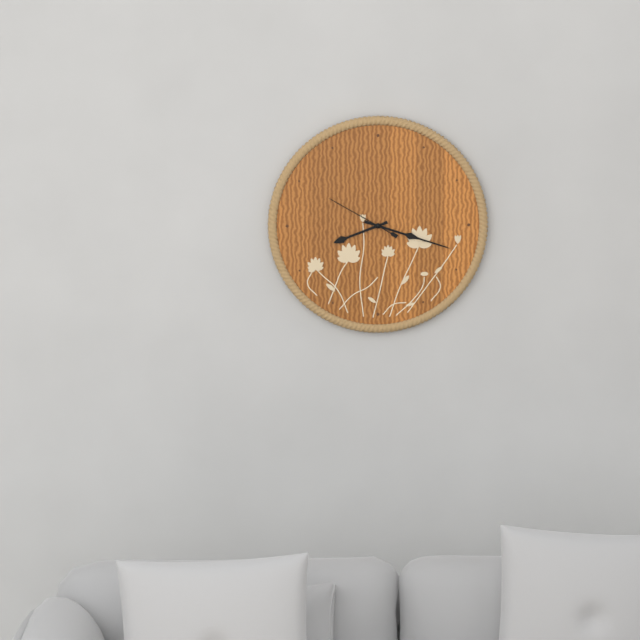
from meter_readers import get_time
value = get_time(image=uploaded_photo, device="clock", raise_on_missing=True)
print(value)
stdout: 8:18:50
